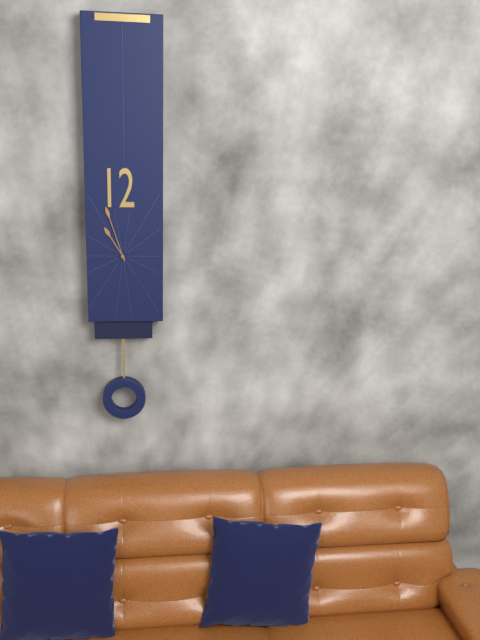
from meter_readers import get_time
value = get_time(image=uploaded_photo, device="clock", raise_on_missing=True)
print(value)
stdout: 10:57
